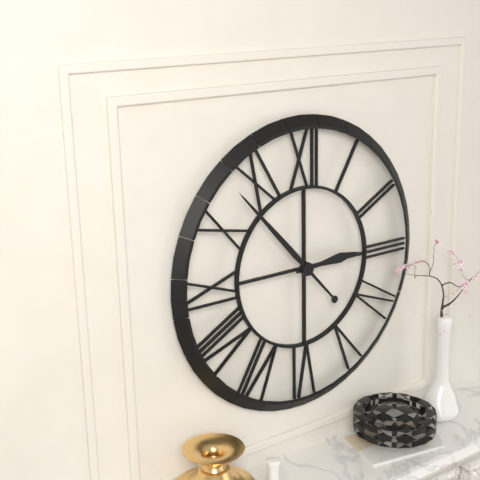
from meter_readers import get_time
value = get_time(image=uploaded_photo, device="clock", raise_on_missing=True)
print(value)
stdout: 2:53
